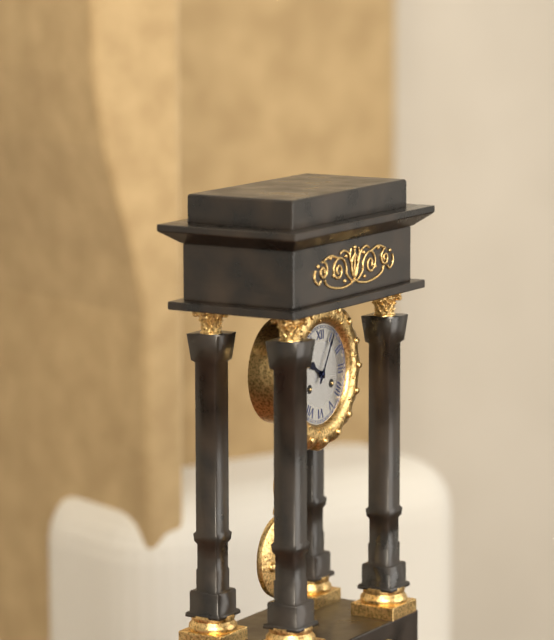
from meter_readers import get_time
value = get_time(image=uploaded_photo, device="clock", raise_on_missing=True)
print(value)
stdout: 10:05
